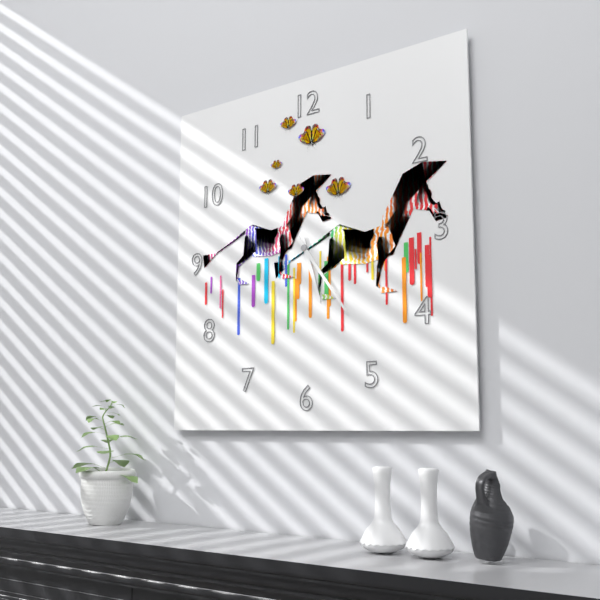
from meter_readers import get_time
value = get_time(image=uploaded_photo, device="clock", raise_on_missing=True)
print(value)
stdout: 5:24
